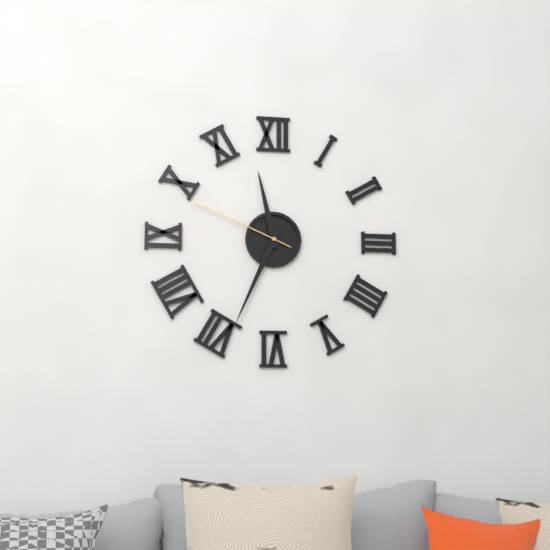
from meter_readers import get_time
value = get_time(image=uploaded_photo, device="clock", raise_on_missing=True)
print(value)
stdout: 11:34:49
